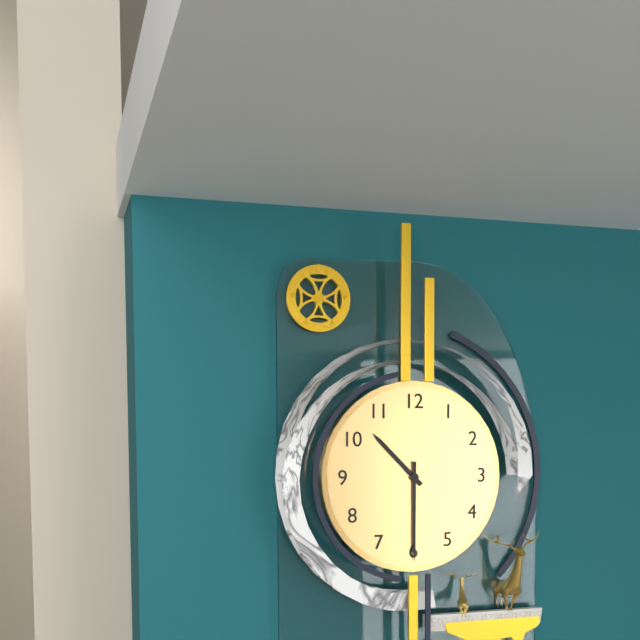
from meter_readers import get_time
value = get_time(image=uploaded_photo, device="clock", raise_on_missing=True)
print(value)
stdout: 10:30
